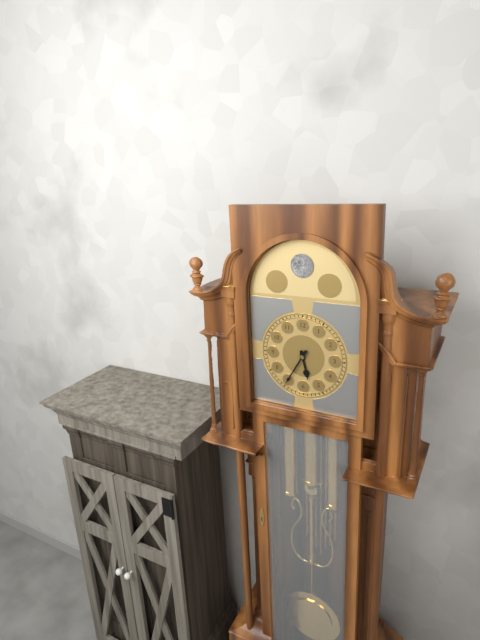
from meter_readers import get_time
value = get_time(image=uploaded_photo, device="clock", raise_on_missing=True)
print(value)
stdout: 5:35
